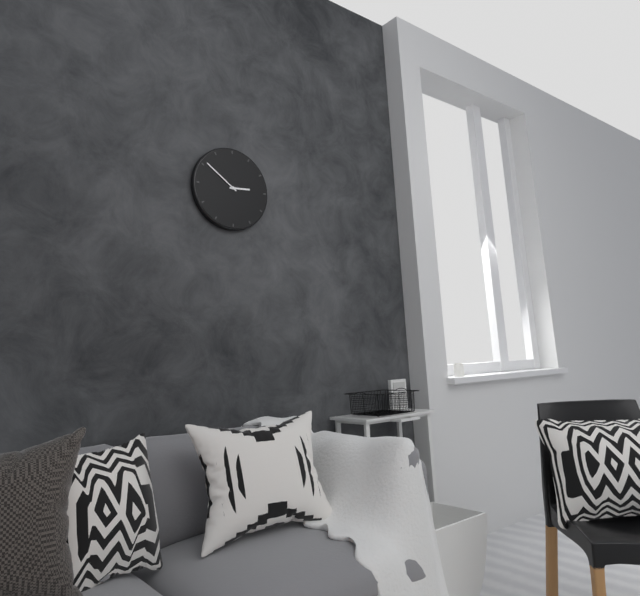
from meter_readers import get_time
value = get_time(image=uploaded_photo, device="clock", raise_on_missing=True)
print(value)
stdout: 2:51
